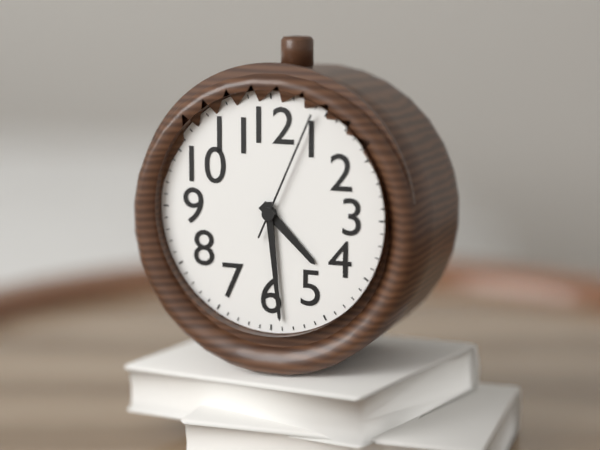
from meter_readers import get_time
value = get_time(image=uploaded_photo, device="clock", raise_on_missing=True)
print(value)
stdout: 4:29:04
